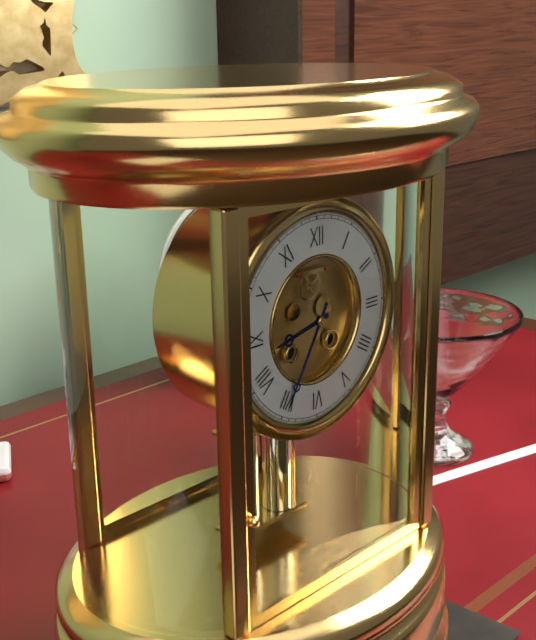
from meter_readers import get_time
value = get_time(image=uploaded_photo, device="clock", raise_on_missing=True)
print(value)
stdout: 8:35
